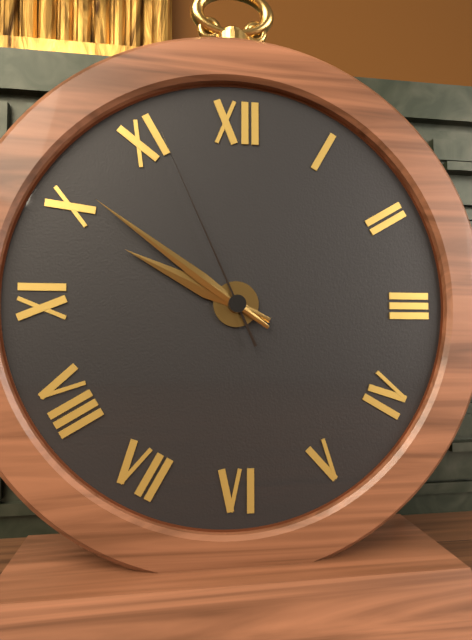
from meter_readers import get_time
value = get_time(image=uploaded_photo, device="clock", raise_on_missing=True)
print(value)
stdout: 9:51:56
